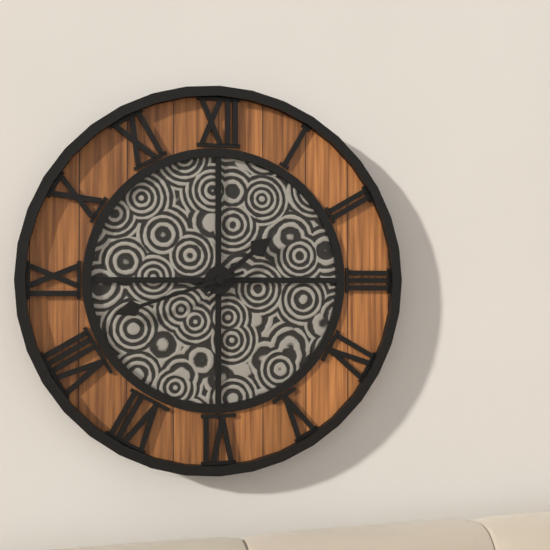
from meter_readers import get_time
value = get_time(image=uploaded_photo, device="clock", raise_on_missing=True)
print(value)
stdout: 1:42
